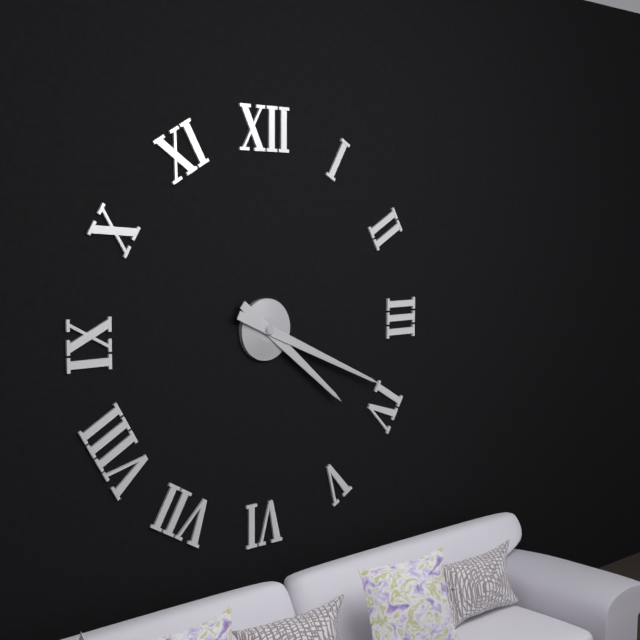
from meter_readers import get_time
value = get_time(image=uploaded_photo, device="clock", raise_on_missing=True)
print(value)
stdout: 4:19
